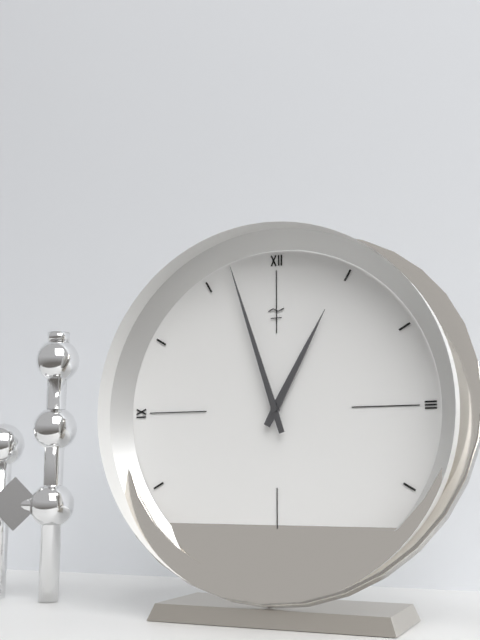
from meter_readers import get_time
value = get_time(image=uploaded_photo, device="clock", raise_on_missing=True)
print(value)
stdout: 12:57
